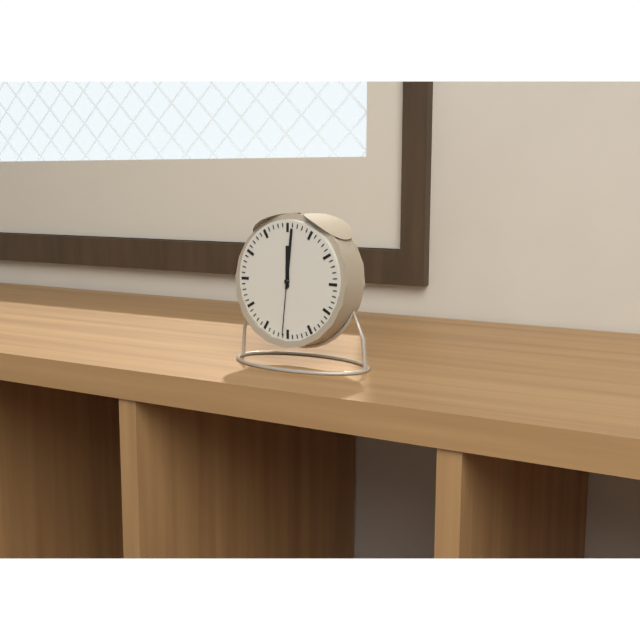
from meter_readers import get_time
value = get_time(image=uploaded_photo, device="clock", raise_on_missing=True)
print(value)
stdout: 12:01:31
